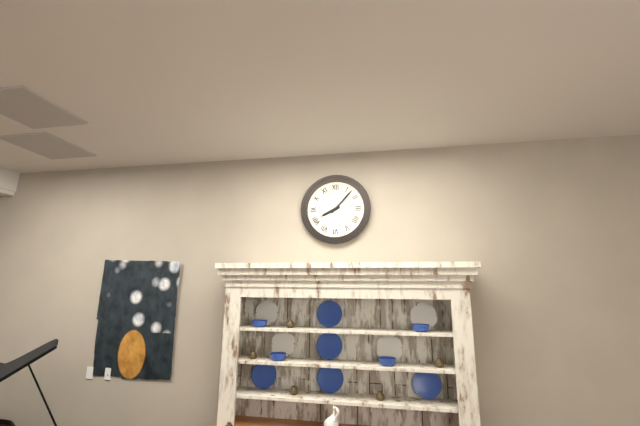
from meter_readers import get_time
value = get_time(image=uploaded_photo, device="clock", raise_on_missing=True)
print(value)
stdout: 8:07
